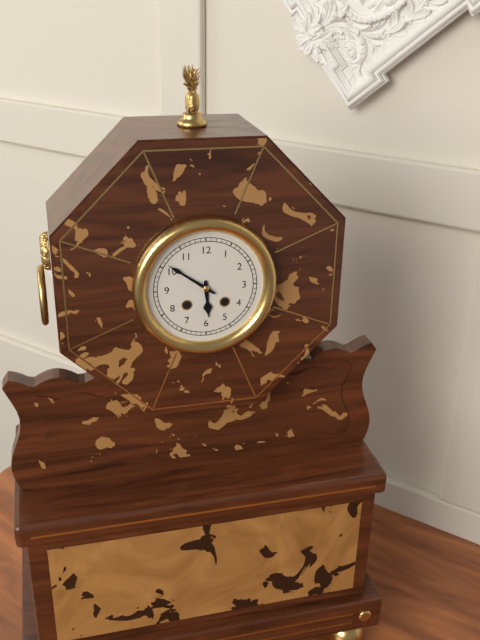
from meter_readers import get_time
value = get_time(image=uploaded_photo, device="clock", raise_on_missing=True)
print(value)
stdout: 5:51
